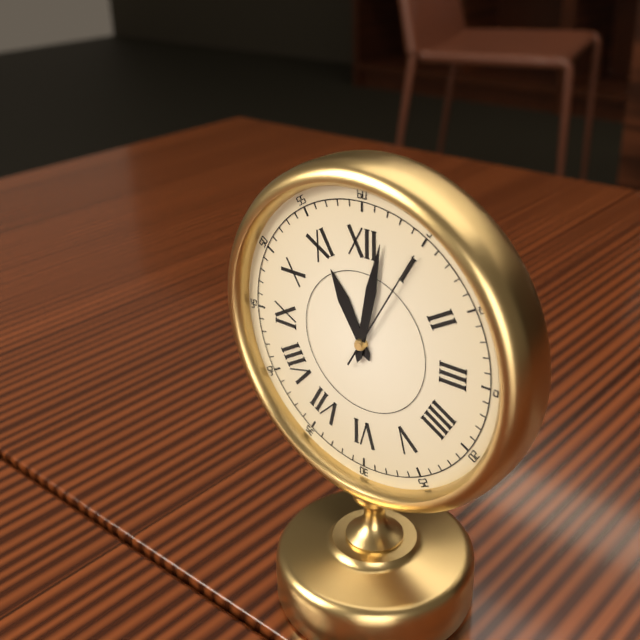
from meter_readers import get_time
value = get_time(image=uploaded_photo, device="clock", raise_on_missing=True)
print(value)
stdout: 11:02:05
